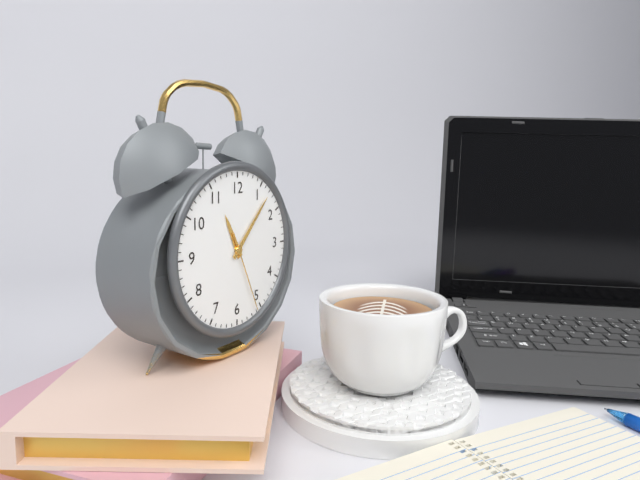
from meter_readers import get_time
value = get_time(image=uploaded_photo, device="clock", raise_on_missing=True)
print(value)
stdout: 11:07:26
